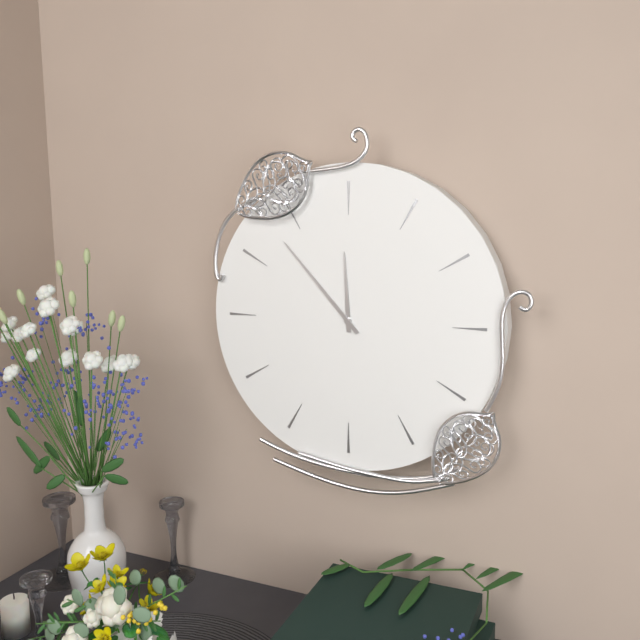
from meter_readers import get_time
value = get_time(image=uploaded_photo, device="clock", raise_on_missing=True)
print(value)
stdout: 11:53
